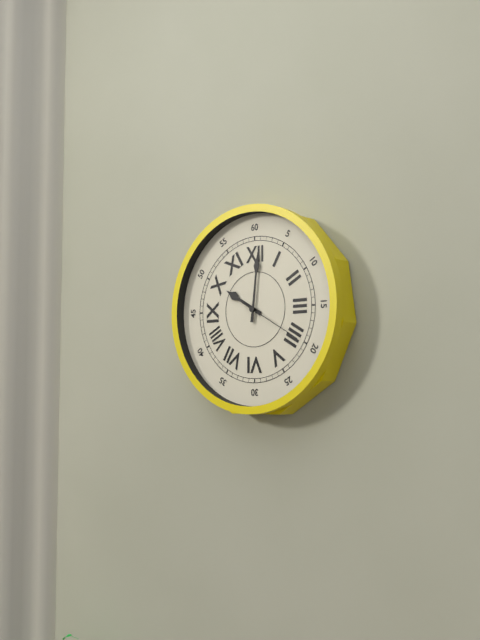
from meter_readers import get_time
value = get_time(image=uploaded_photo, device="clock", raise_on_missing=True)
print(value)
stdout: 10:01:20
